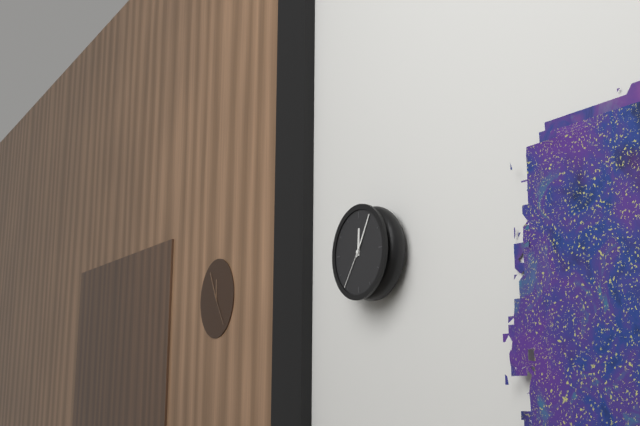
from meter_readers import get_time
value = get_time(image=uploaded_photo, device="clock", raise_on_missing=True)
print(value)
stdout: 12:05
